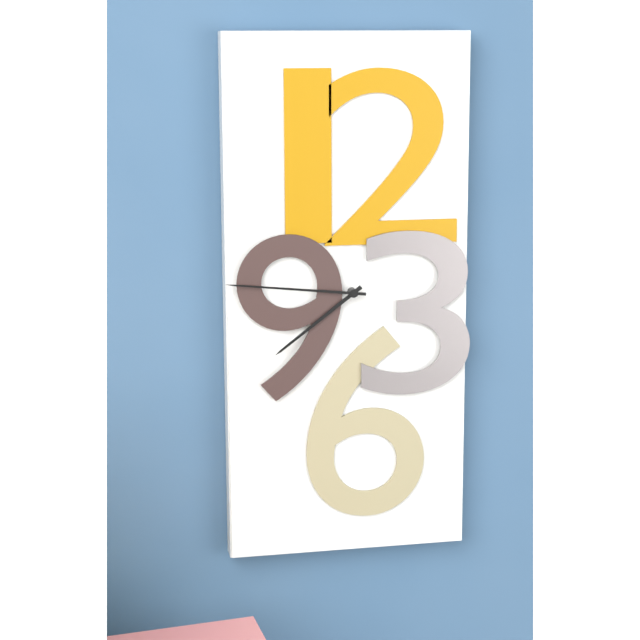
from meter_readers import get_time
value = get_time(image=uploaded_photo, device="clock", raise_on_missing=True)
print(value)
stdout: 7:46
